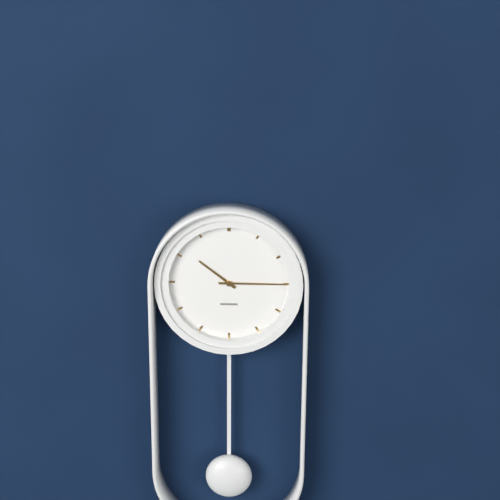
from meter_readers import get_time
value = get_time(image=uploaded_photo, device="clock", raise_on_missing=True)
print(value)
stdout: 10:15
